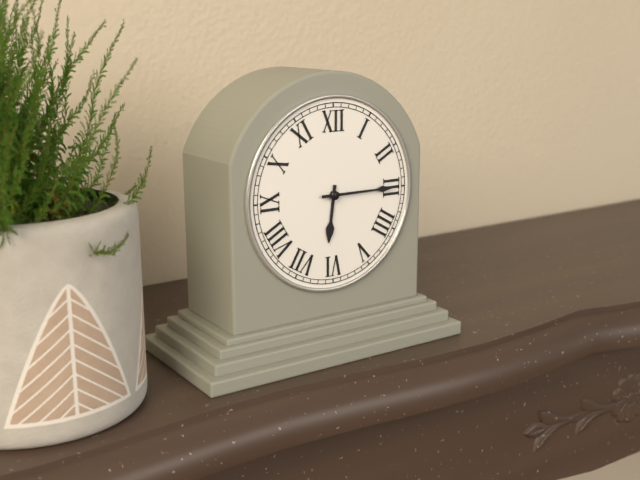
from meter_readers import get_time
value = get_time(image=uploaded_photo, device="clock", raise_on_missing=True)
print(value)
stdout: 6:15
